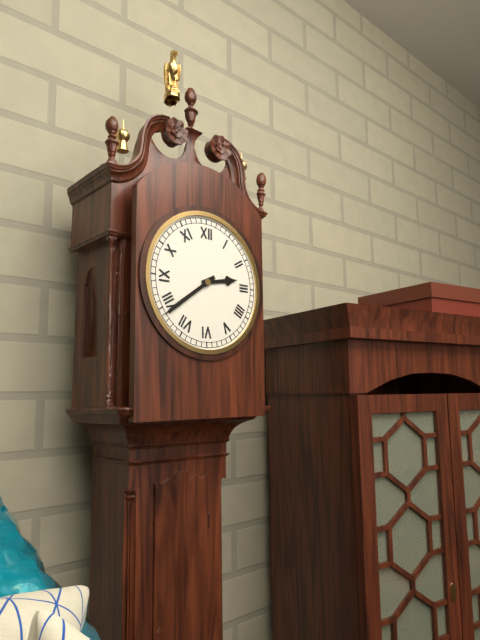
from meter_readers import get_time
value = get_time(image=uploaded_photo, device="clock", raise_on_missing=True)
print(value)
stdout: 2:39
